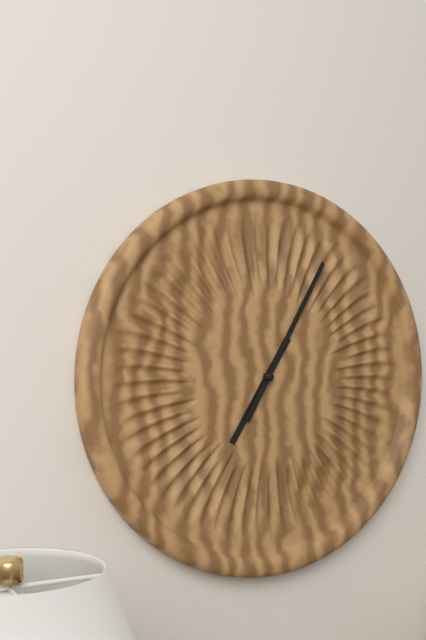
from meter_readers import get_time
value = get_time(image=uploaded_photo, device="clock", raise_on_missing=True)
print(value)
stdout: 7:05
